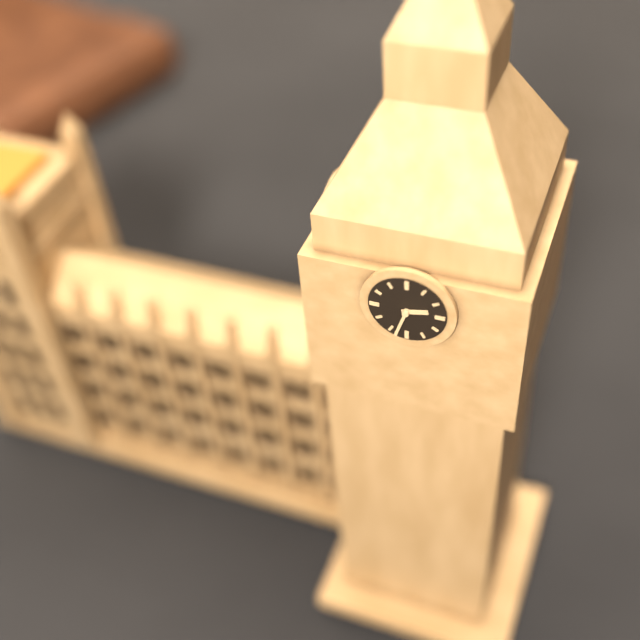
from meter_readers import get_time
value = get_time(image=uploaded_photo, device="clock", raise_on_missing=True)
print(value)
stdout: 2:33
